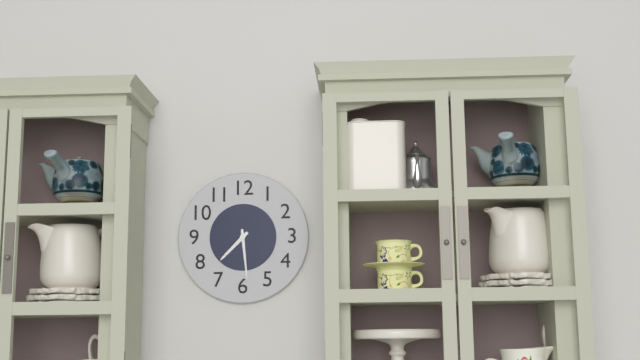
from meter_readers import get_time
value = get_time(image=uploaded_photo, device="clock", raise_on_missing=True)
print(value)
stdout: 7:29
